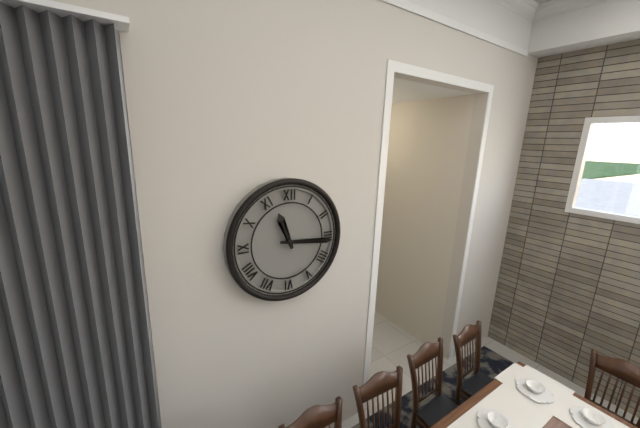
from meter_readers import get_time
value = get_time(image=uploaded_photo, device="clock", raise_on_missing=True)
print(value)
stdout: 11:16
